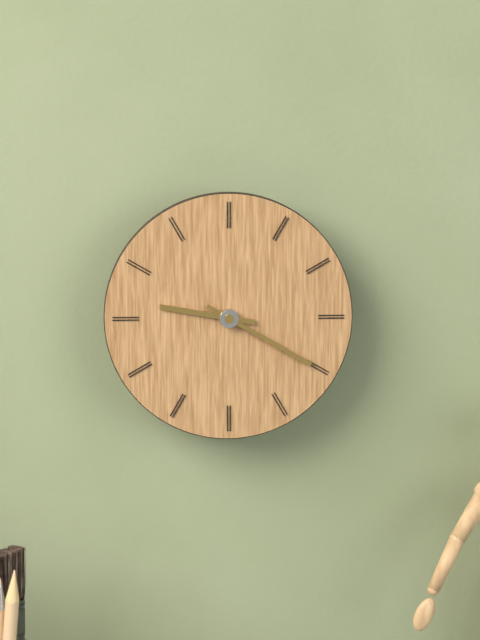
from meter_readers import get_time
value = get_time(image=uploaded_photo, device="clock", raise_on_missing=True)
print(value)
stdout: 9:20
